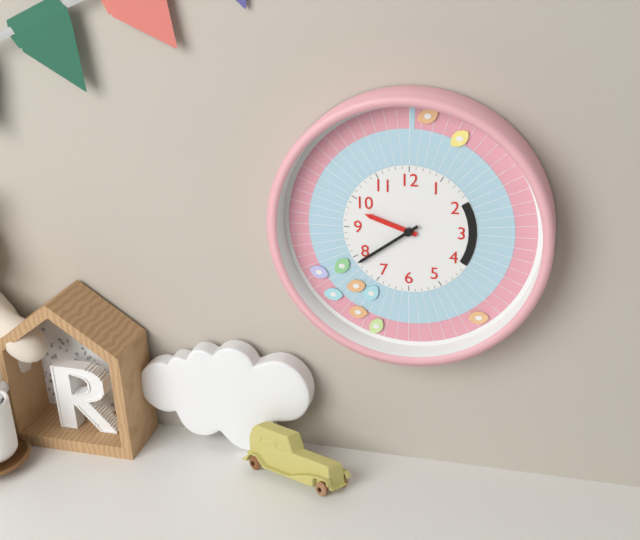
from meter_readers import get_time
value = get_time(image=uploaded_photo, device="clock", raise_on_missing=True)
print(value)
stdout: 9:39
